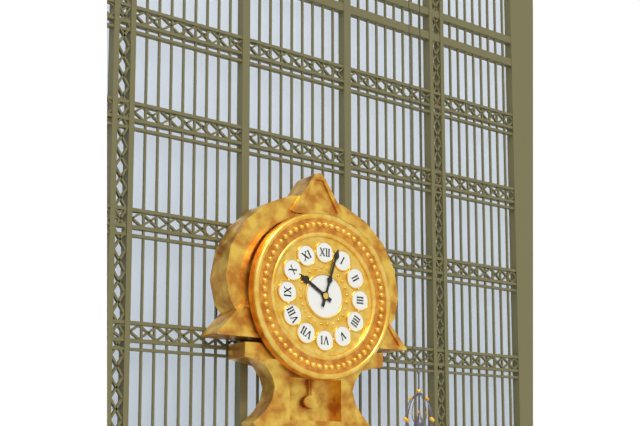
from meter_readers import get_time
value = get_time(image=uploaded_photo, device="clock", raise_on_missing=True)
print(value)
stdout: 10:03
